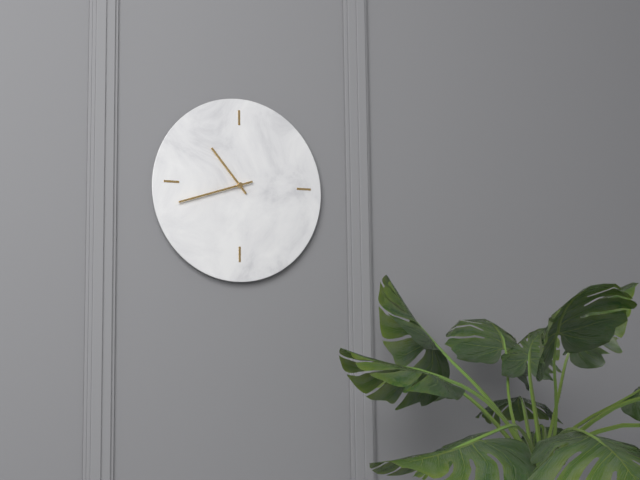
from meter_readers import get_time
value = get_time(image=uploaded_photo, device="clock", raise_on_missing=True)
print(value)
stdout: 10:42
